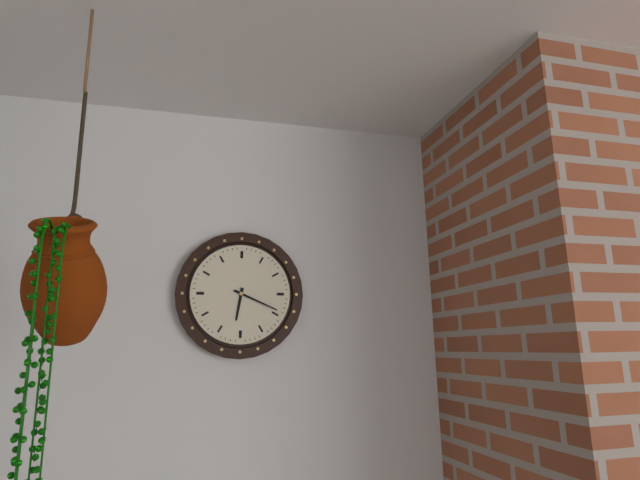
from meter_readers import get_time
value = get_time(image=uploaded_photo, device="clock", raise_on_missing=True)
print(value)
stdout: 6:19
